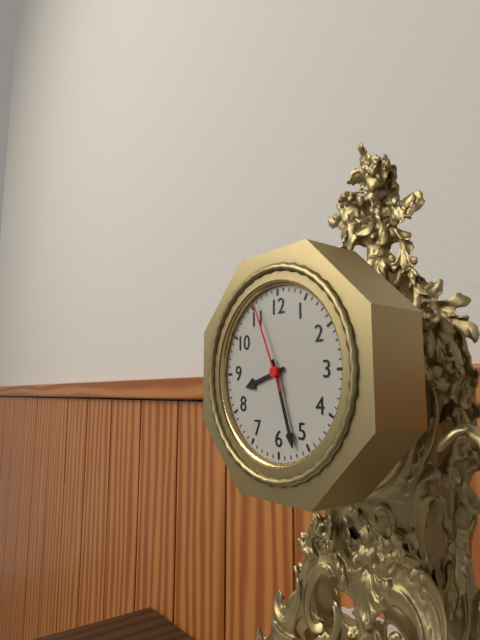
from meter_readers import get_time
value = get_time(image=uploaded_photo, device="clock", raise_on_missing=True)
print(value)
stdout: 8:27:56
